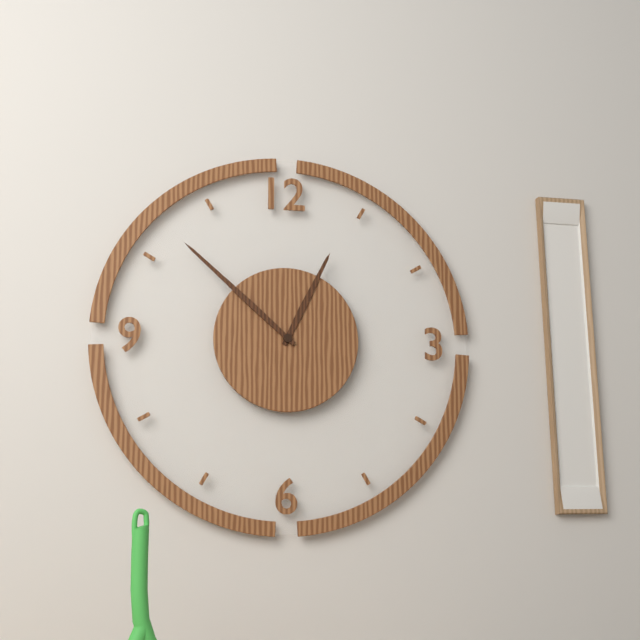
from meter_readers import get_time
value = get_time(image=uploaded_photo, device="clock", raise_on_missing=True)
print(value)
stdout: 12:52
